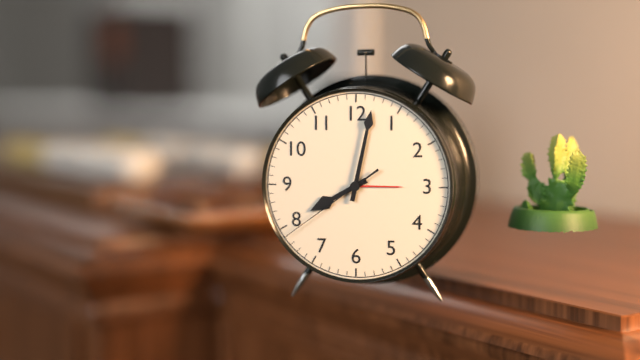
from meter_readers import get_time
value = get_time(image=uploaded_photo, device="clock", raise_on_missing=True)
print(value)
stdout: 8:02:39
